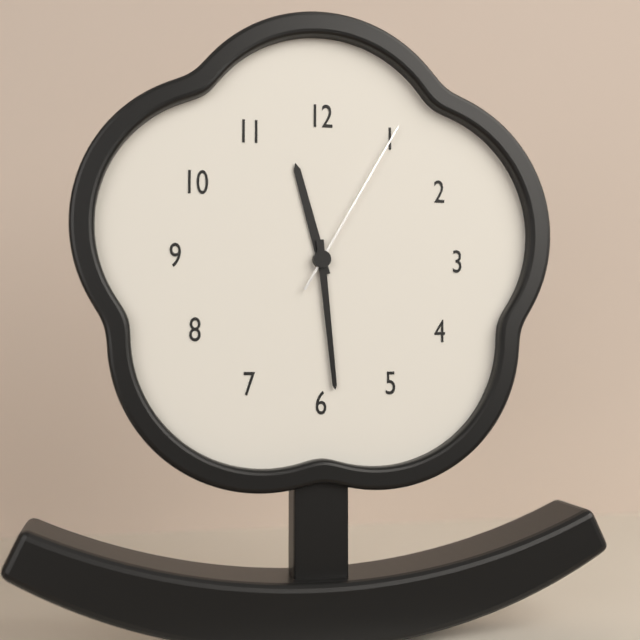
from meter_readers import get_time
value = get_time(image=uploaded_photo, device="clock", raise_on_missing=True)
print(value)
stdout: 11:29:05
